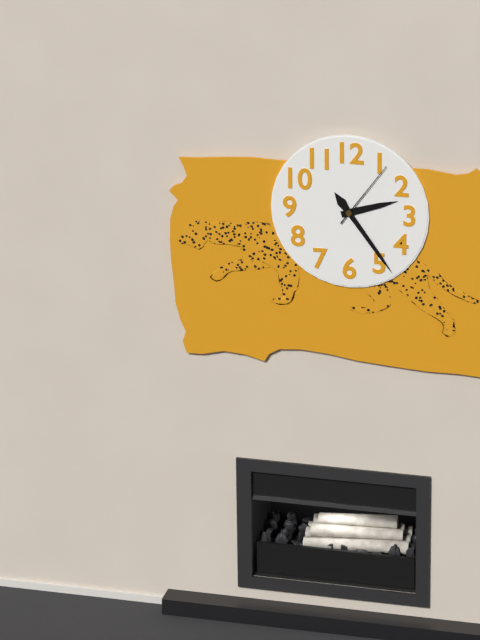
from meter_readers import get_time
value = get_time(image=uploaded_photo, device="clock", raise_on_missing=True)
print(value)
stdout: 2:24:06
